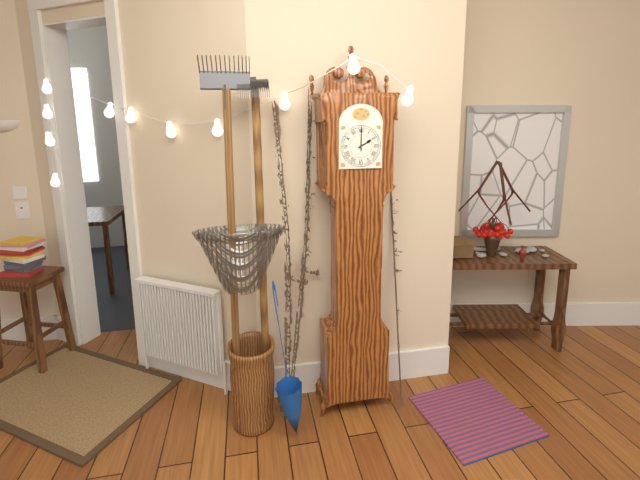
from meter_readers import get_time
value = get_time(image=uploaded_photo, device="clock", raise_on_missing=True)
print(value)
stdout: 2:00
